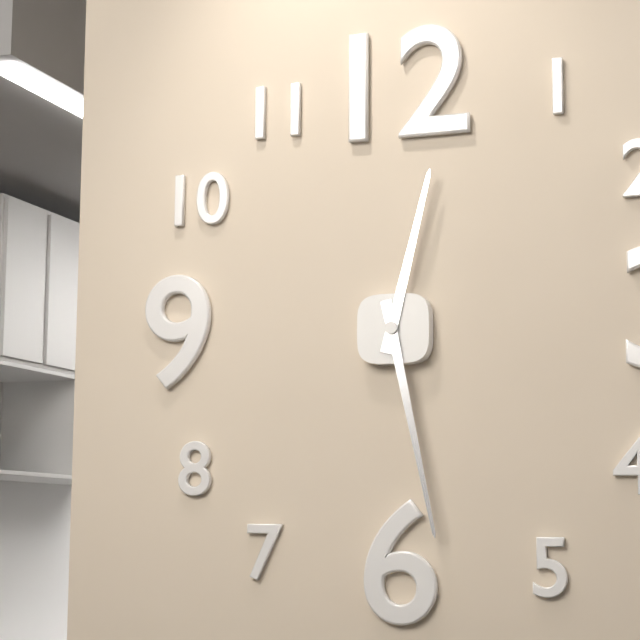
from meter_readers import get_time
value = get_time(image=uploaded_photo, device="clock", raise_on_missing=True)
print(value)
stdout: 12:28
